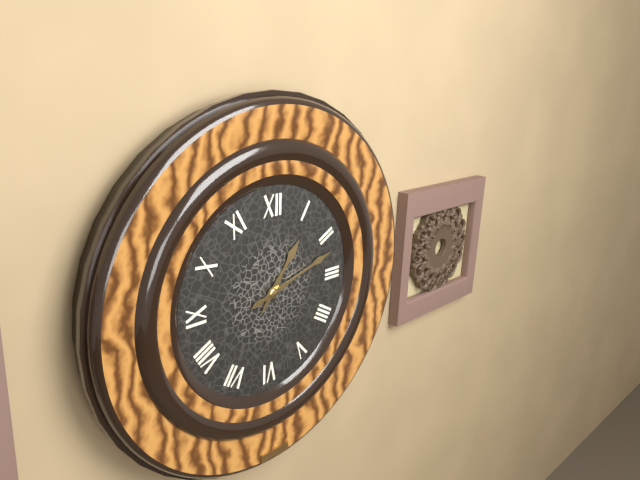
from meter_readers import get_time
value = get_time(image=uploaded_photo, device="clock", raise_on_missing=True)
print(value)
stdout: 1:12
